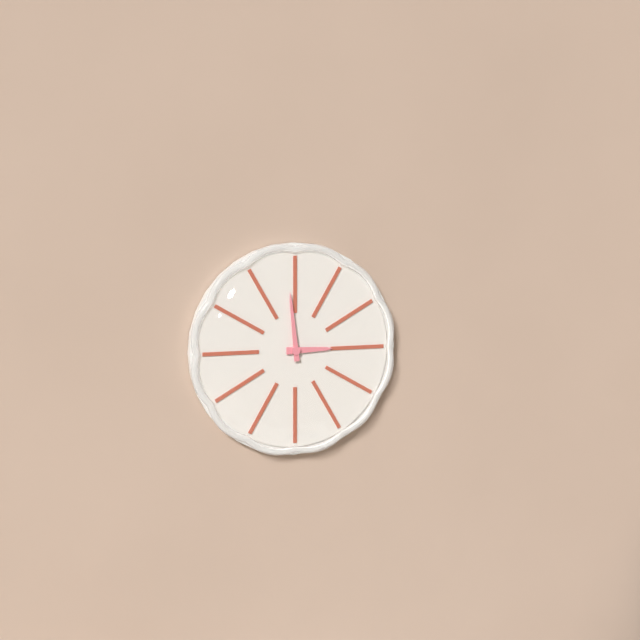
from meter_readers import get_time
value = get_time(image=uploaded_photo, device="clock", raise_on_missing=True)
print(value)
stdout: 2:59
